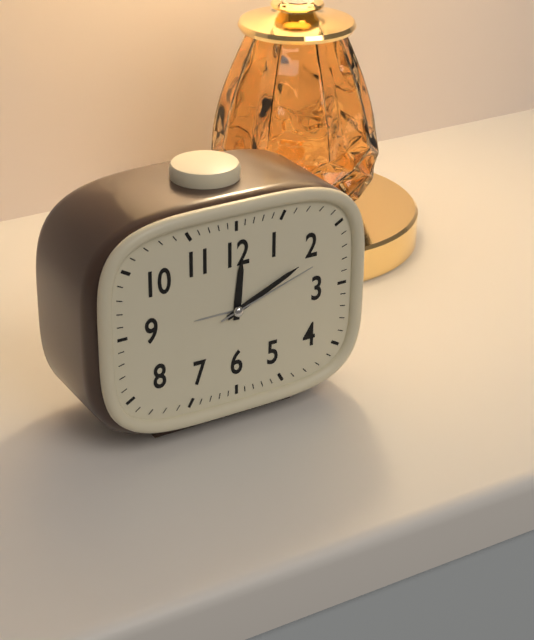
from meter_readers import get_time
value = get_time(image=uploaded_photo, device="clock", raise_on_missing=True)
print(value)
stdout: 12:11:12
